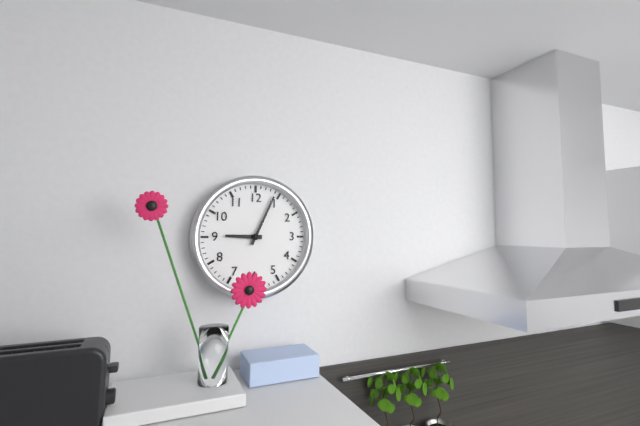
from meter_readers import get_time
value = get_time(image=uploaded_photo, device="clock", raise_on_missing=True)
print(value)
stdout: 9:04
